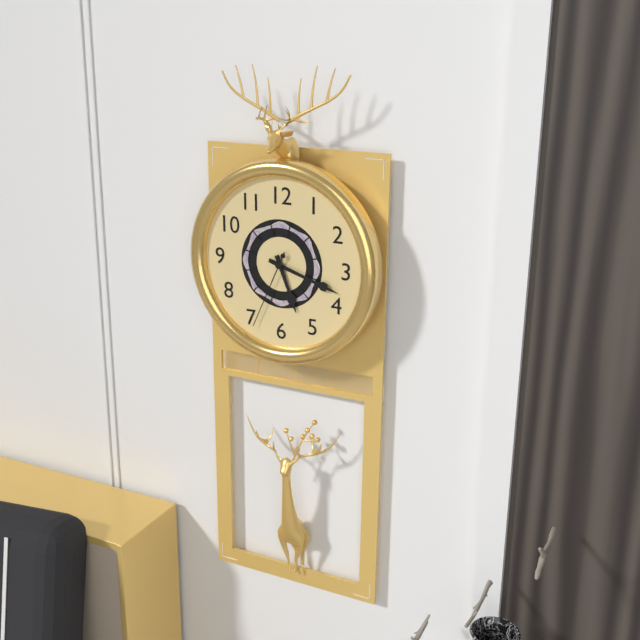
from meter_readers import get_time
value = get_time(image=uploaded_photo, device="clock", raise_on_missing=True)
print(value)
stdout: 5:18:34
